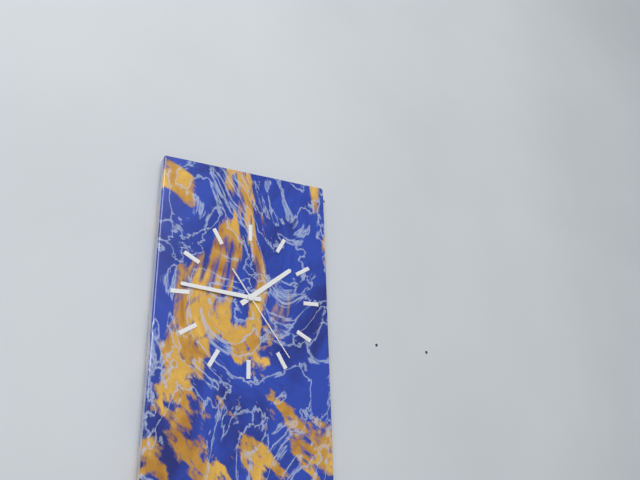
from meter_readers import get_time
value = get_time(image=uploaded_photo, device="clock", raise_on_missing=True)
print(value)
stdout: 1:46:24
